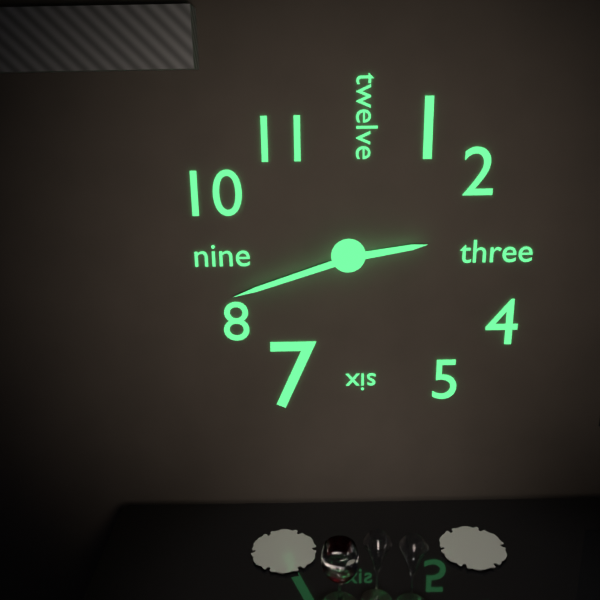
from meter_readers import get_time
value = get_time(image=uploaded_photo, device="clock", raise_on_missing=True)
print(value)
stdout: 2:42
